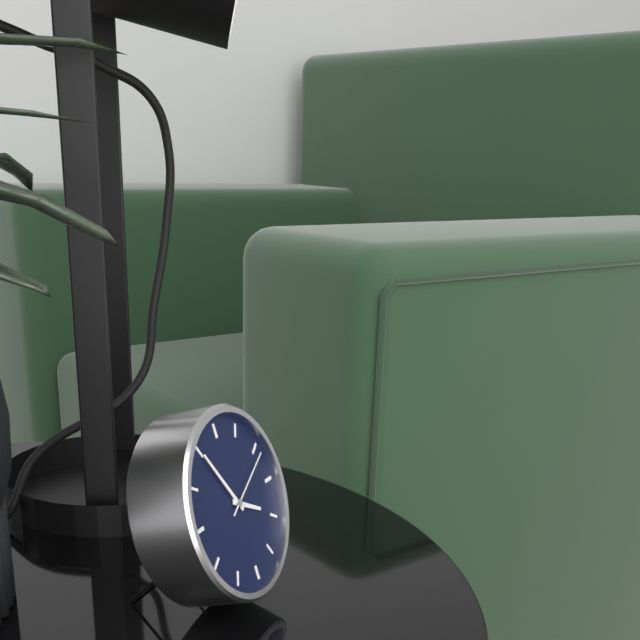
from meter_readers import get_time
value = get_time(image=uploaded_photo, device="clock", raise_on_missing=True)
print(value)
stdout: 3:55:11
